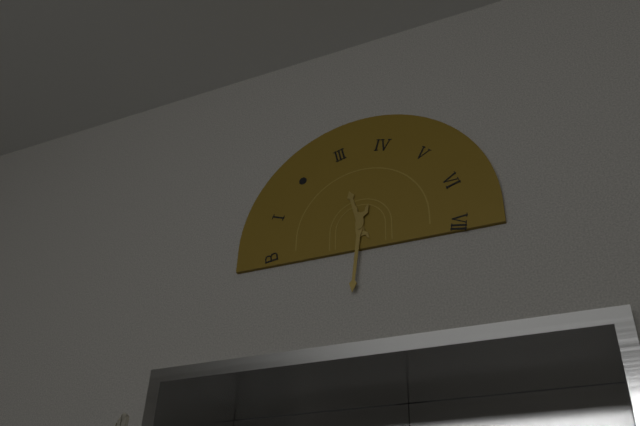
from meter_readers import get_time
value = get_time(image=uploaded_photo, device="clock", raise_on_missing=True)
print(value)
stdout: 11:31
